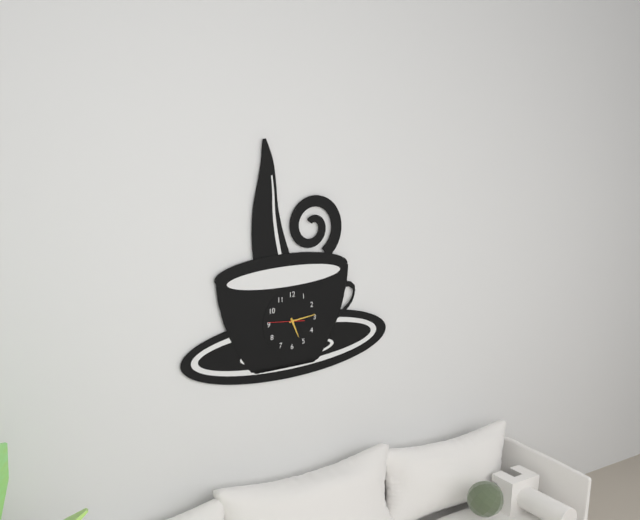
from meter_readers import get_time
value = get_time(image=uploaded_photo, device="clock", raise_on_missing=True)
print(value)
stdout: 5:14
